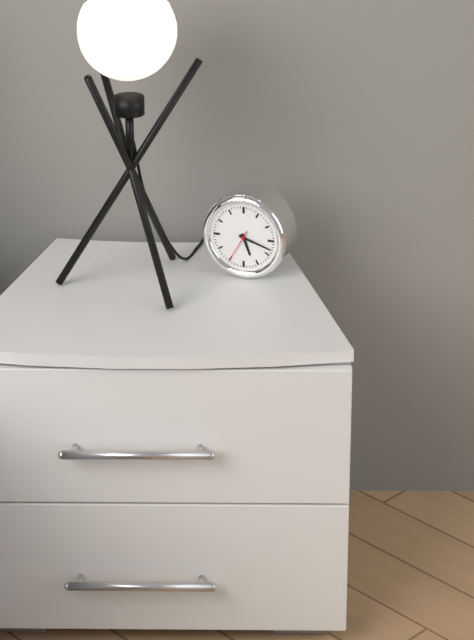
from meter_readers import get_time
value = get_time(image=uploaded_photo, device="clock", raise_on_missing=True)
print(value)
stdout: 5:18
